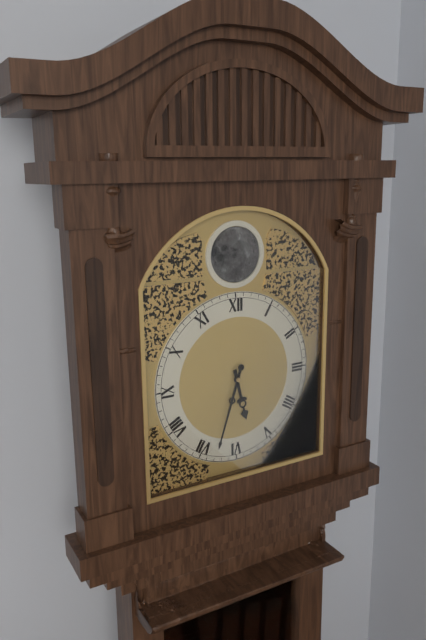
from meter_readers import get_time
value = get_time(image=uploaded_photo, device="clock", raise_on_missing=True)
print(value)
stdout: 5:33
